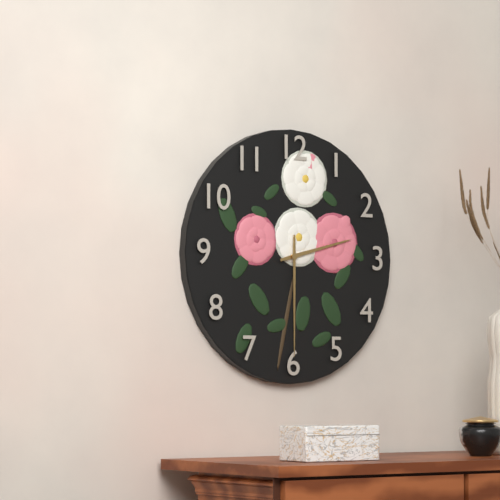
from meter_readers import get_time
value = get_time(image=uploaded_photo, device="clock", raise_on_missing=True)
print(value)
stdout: 2:30
